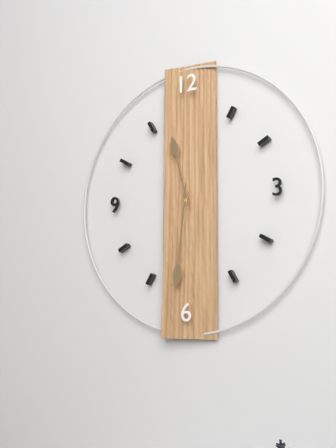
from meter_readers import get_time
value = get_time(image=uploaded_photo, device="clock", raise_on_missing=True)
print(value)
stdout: 11:31
